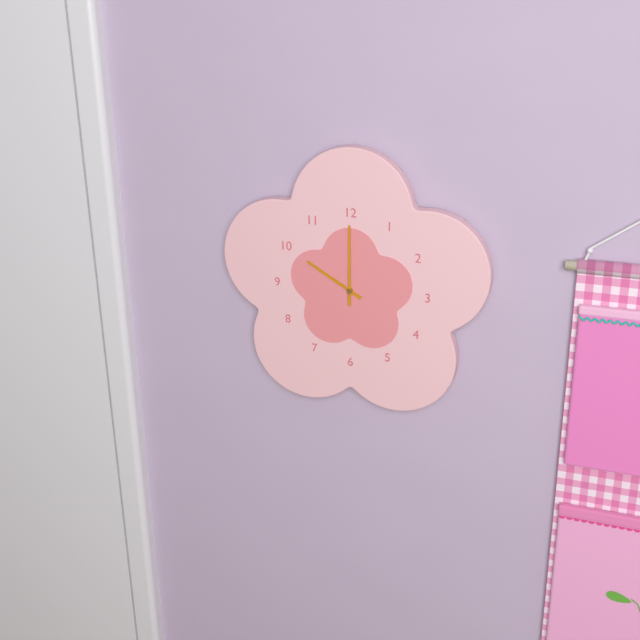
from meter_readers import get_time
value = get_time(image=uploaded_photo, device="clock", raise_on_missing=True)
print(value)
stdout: 10:00
